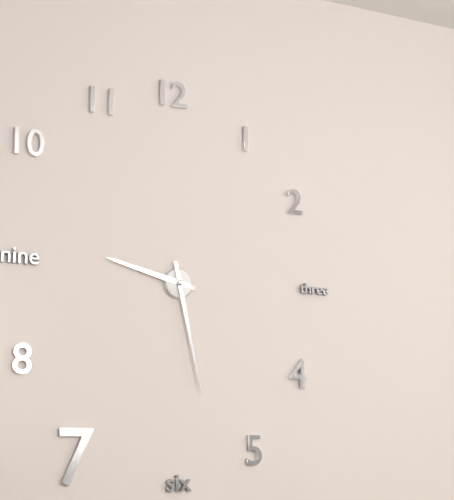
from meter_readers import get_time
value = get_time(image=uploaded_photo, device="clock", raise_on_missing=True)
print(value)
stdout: 9:28
